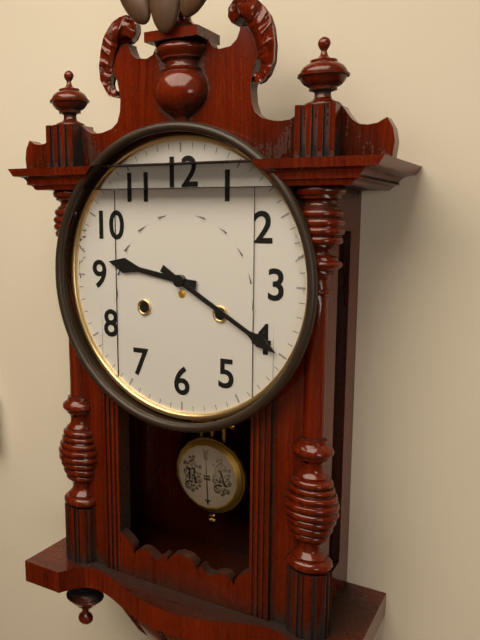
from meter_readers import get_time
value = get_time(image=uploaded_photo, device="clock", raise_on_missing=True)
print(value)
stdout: 9:20
